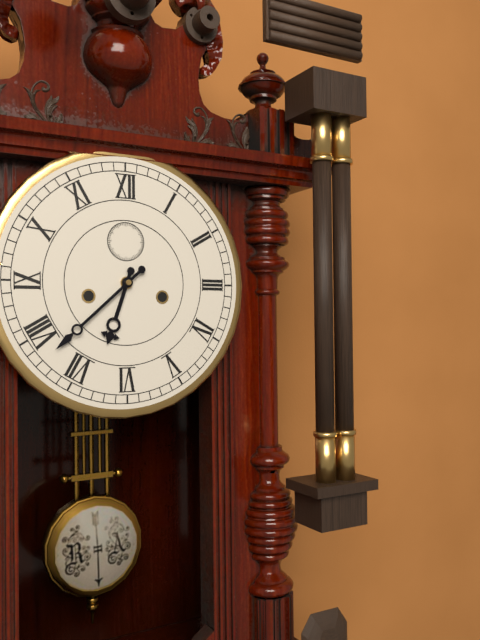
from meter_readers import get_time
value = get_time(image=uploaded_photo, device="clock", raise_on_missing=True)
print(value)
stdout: 6:38
